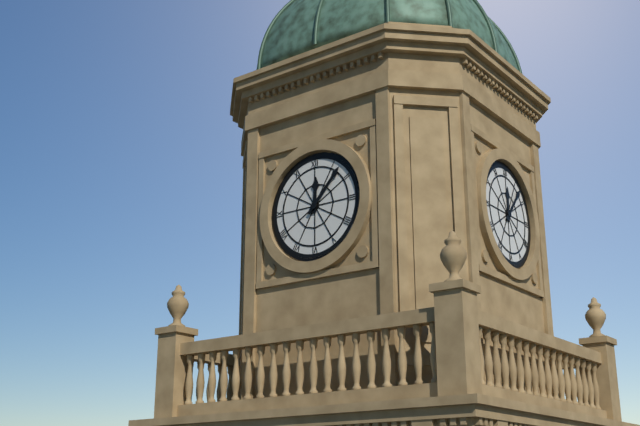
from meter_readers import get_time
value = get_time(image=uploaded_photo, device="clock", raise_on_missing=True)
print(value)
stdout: 12:07
